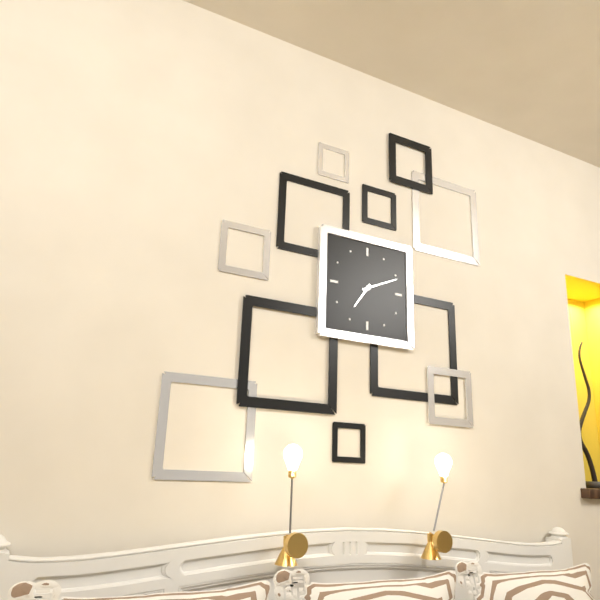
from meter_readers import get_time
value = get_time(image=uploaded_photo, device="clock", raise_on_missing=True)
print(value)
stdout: 7:11
